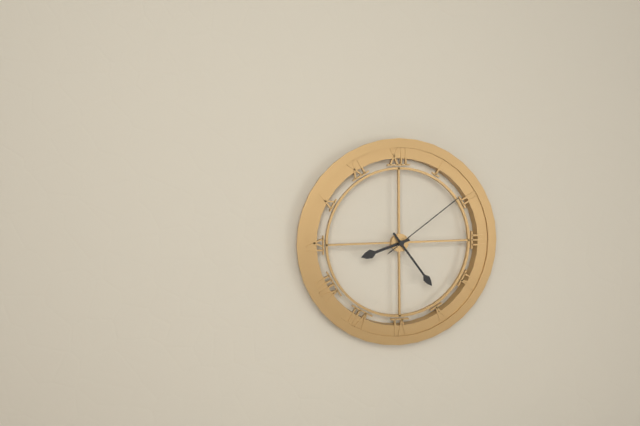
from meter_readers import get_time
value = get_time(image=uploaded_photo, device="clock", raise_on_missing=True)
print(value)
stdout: 8:24:09
